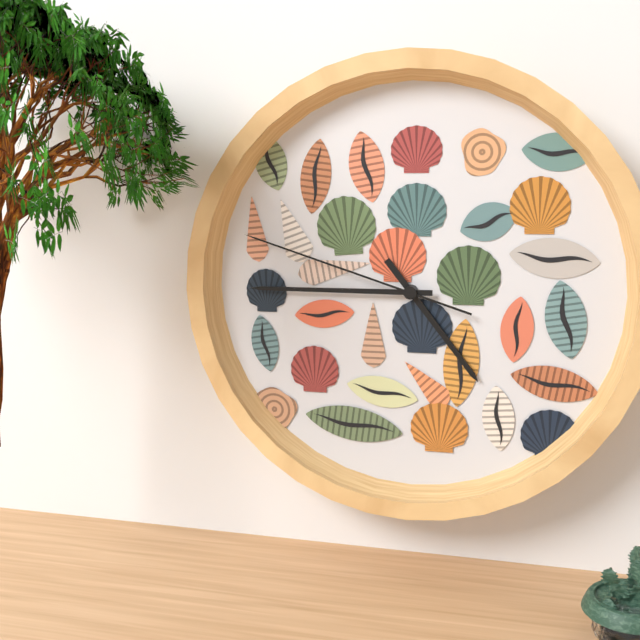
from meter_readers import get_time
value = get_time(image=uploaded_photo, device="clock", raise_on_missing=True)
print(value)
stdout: 4:45:48
